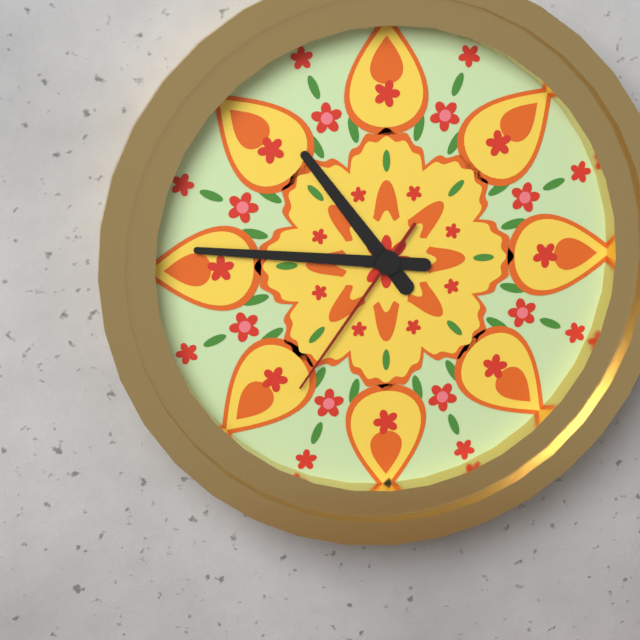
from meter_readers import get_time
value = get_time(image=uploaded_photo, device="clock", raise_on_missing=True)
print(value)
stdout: 10:46:36
